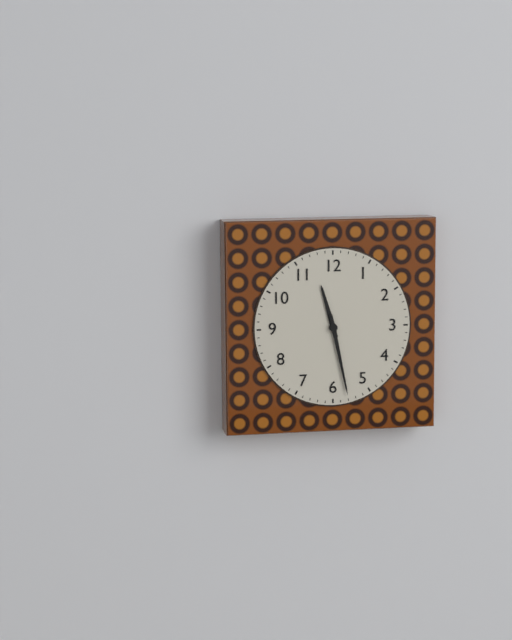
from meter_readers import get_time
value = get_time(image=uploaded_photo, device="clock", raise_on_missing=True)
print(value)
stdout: 11:28
